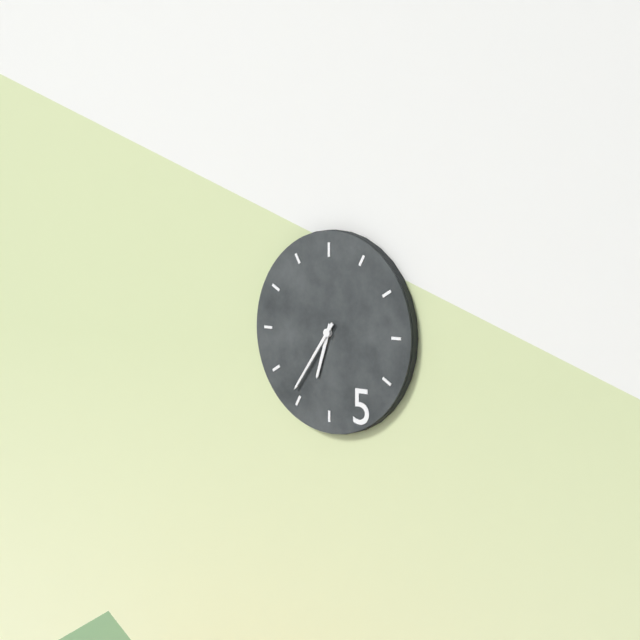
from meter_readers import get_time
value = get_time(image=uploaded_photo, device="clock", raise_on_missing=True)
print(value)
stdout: 6:36
